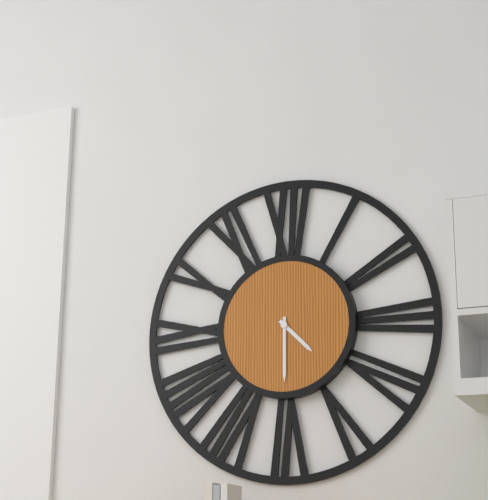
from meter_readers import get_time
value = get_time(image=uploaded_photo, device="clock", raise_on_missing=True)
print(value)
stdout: 4:30
